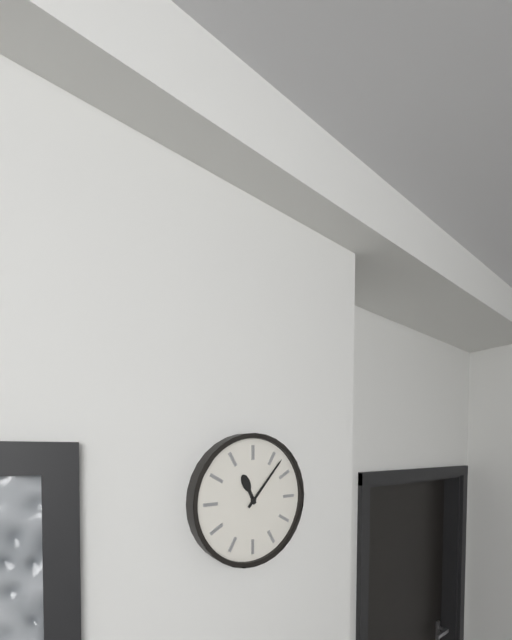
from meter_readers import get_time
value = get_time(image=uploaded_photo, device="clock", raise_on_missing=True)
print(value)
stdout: 11:07
